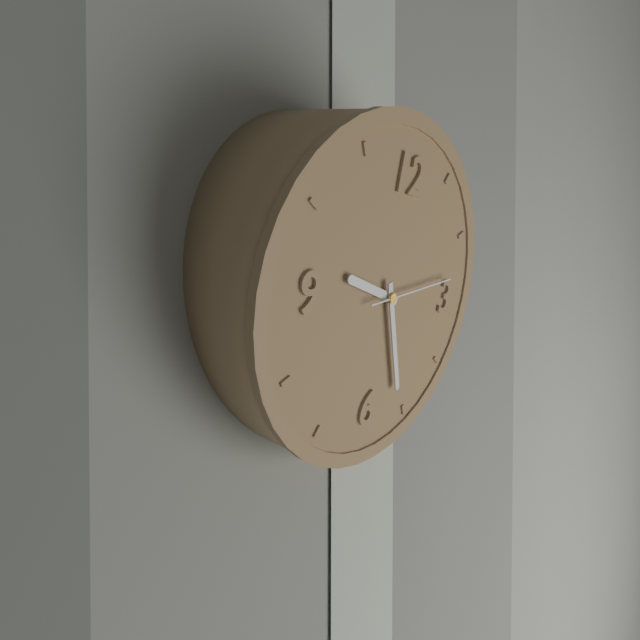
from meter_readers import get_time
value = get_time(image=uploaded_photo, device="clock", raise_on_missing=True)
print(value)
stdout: 9:26:13
